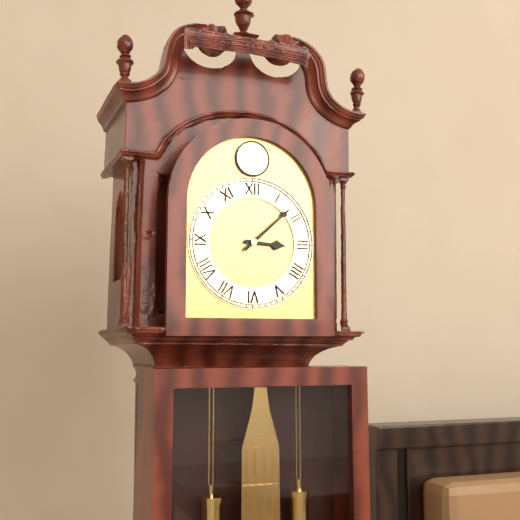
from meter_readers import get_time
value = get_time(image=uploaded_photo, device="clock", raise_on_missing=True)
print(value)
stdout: 3:08
